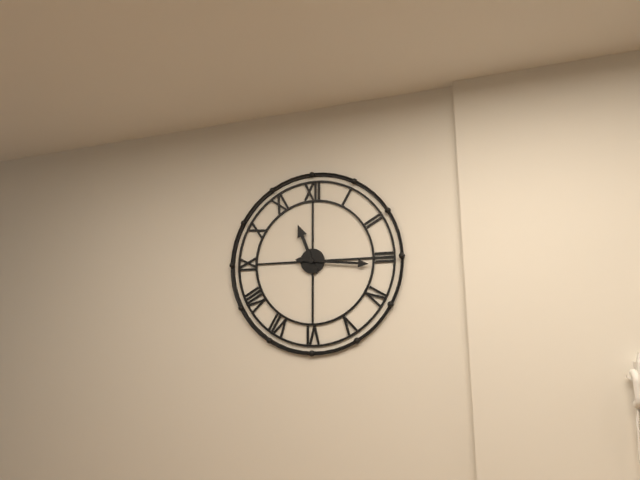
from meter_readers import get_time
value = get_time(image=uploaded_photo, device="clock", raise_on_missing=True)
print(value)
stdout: 11:16
